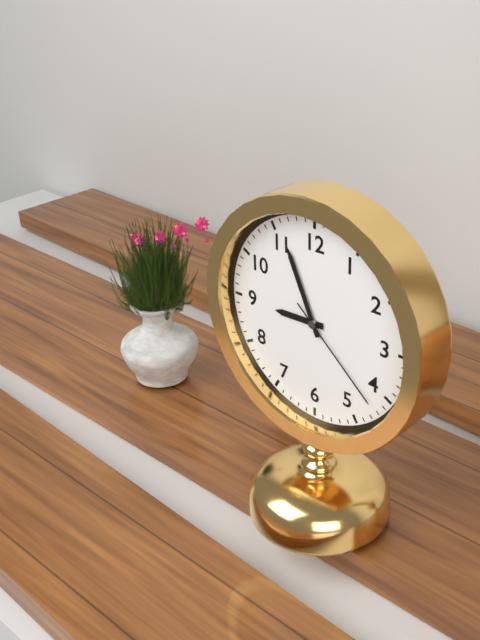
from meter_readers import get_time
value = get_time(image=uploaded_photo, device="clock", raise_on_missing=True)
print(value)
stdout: 8:56:22
